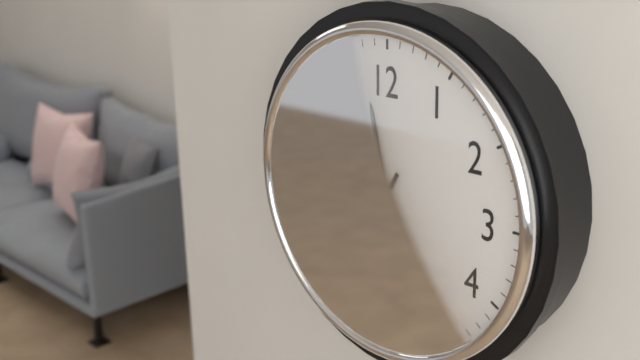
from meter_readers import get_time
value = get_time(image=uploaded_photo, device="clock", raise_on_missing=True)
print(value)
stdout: 11:35
